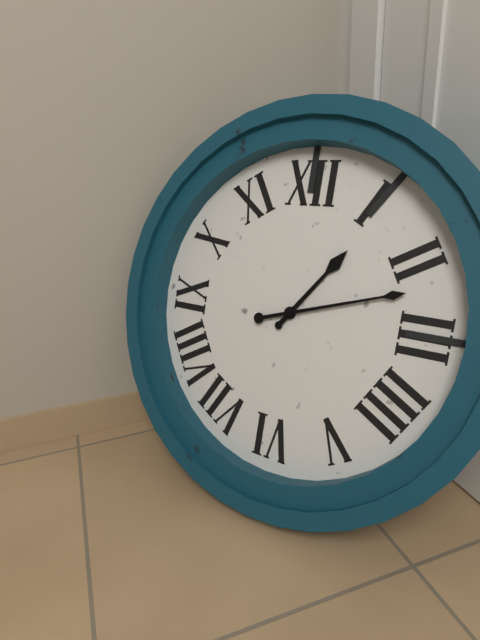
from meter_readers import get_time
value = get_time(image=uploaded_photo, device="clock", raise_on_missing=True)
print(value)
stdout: 1:12
